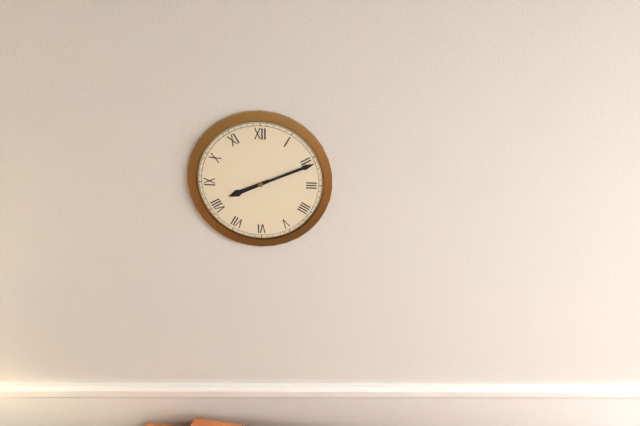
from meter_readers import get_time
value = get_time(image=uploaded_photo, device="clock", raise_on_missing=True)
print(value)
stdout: 8:11
